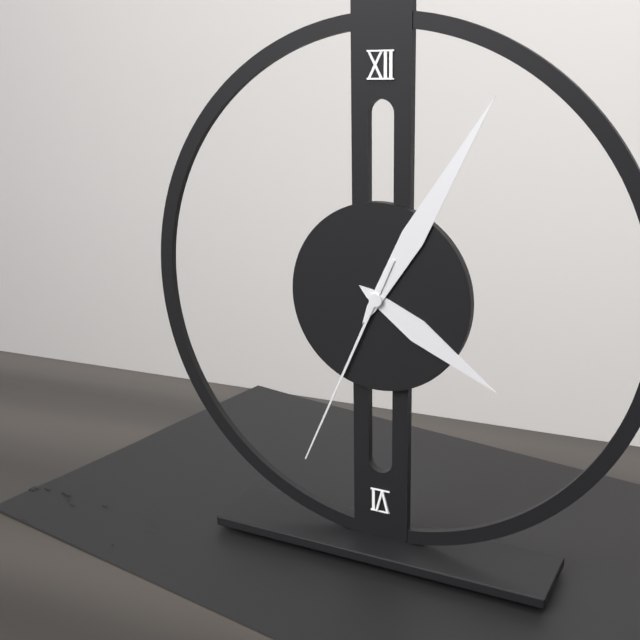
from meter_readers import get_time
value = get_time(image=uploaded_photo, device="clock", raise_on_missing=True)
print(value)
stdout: 4:05:34
